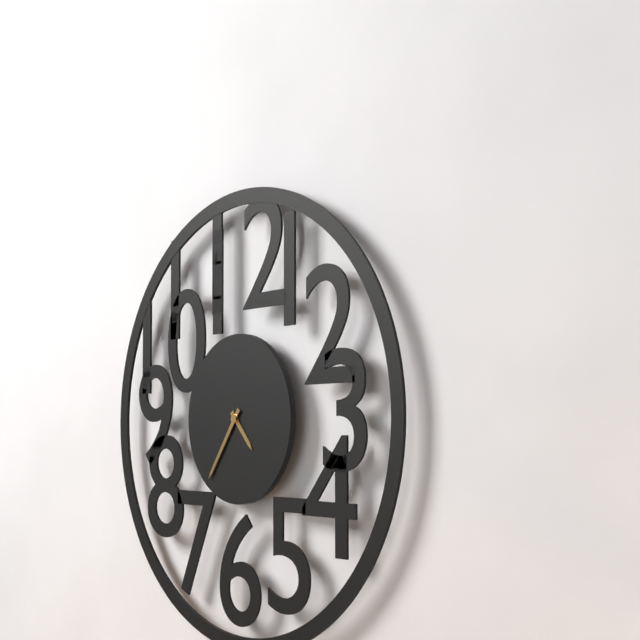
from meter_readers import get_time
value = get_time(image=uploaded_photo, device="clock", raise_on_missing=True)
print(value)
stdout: 4:36
